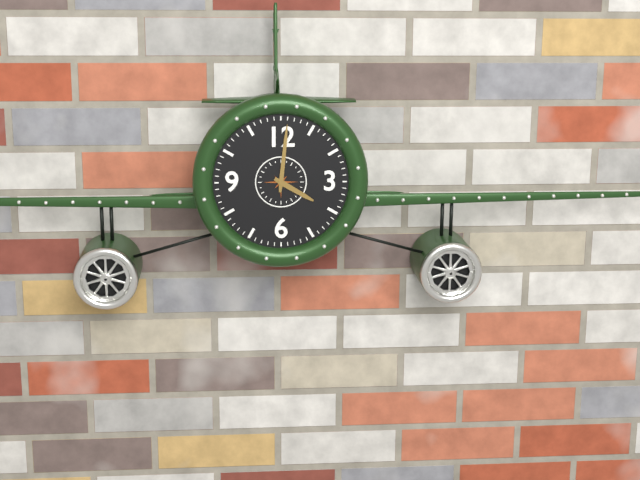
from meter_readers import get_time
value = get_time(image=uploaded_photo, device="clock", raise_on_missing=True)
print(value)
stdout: 4:01
